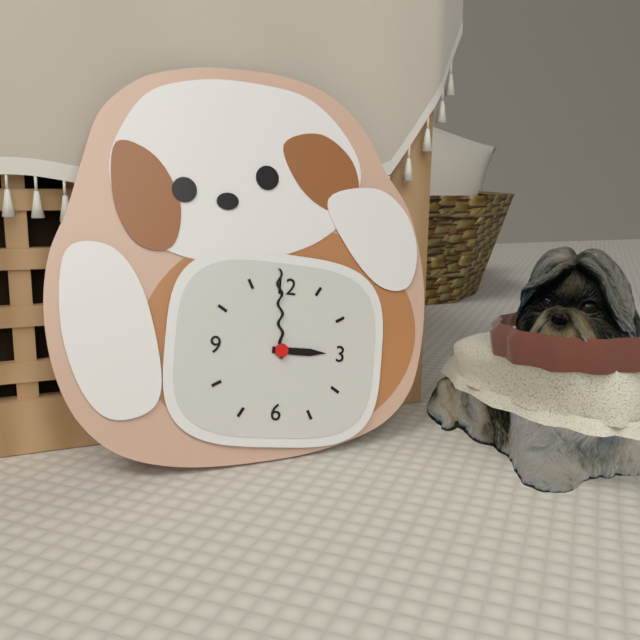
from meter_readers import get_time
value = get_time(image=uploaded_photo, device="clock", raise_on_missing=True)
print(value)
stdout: 2:59
